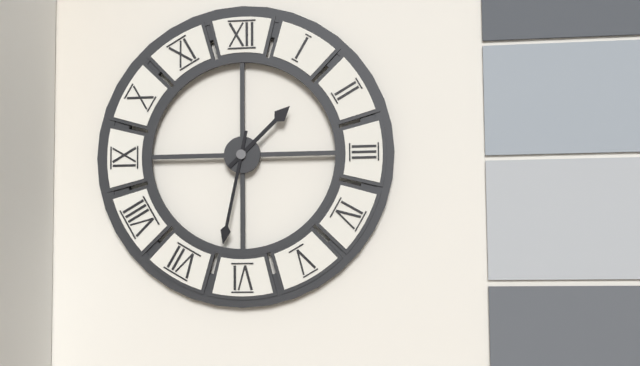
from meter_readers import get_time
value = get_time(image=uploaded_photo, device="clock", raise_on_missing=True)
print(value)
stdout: 1:32
